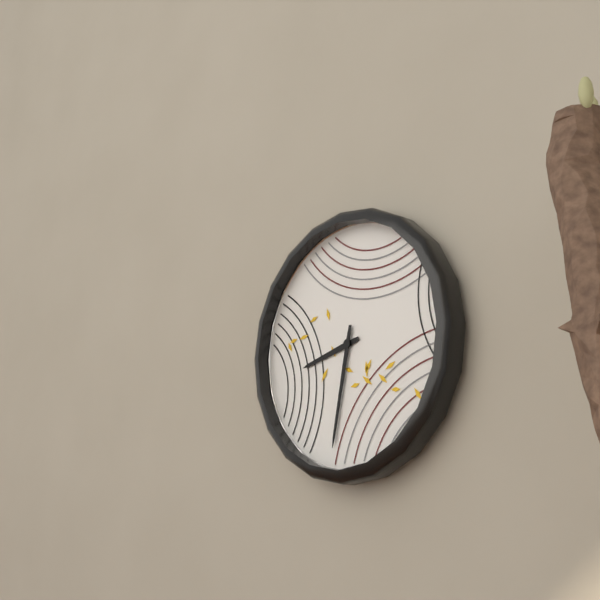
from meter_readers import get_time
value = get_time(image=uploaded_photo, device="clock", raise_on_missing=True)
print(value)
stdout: 8:32
